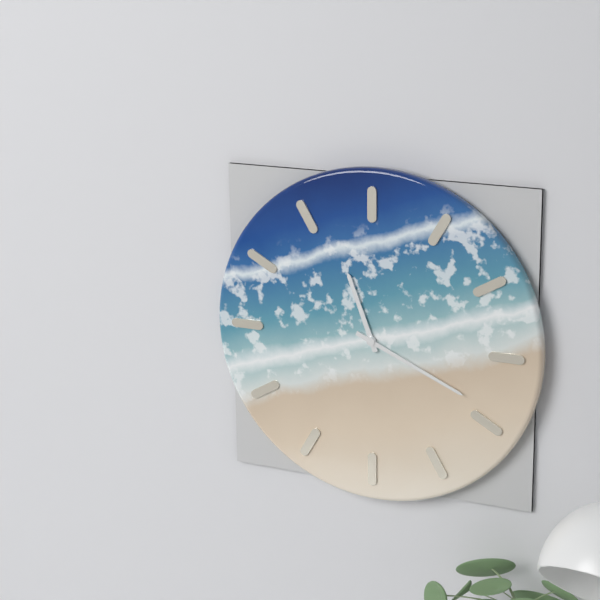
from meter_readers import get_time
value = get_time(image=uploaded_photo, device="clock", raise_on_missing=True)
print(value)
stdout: 11:19
